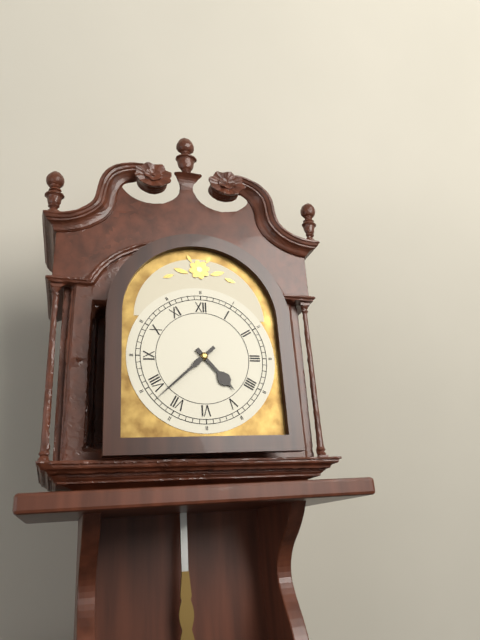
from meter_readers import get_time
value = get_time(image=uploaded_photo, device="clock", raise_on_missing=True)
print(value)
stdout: 4:38
